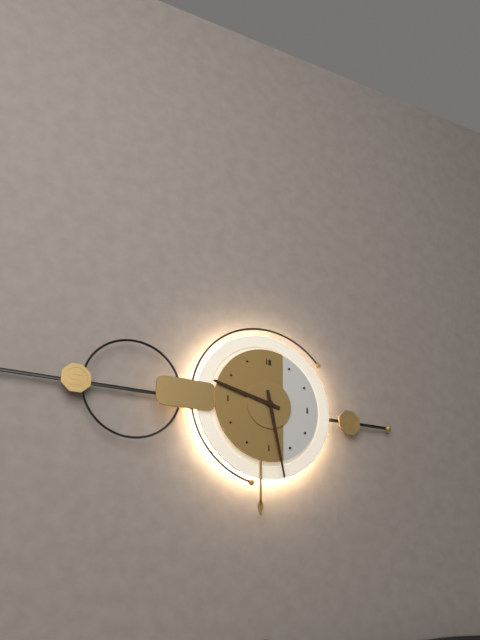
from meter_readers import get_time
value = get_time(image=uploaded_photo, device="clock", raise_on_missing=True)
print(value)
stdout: 9:28
